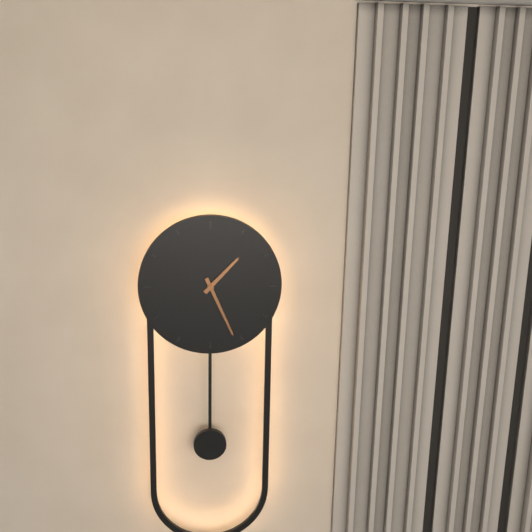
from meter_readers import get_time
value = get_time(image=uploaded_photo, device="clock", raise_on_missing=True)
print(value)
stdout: 1:26
